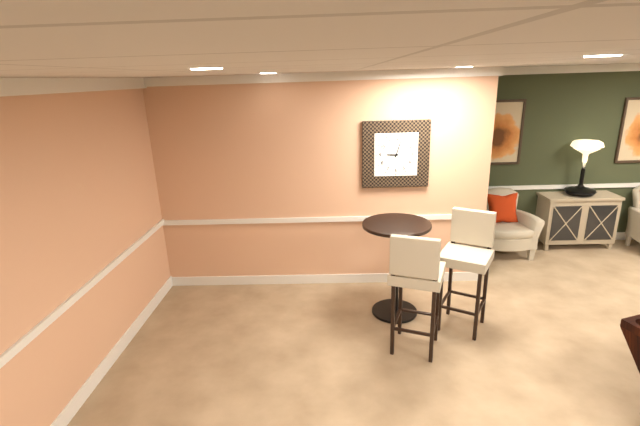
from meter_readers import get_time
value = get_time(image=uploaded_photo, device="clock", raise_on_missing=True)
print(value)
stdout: 9:03
